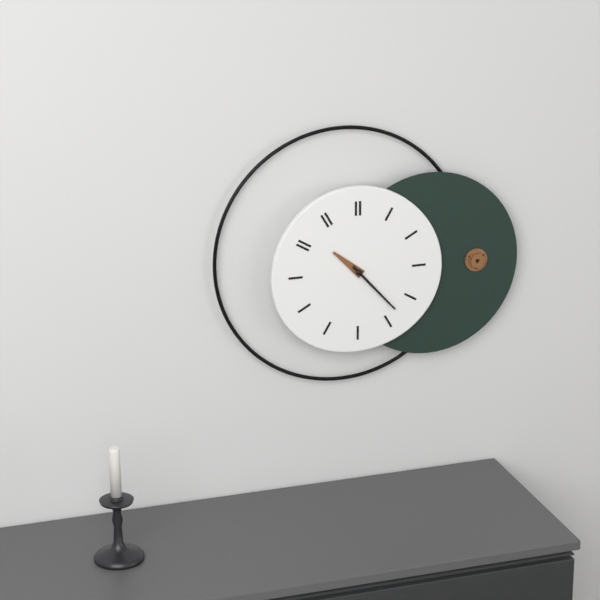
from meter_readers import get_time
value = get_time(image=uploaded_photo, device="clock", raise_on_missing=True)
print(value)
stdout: 10:23
